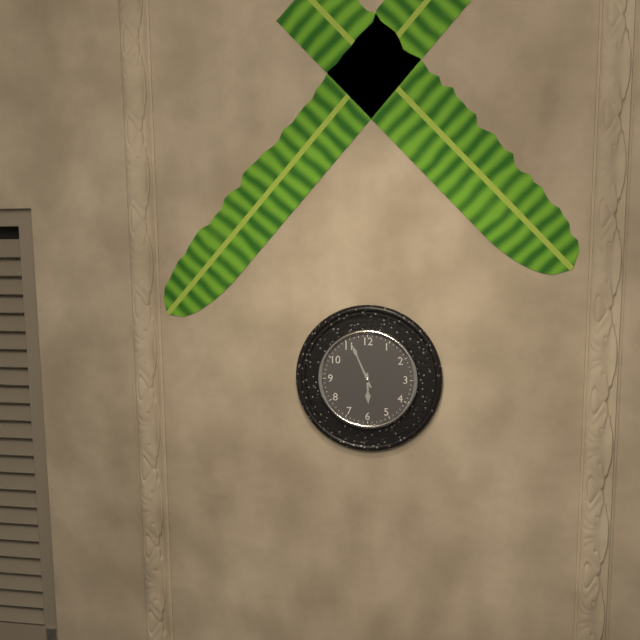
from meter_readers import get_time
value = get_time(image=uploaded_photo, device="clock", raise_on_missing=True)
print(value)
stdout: 5:56
